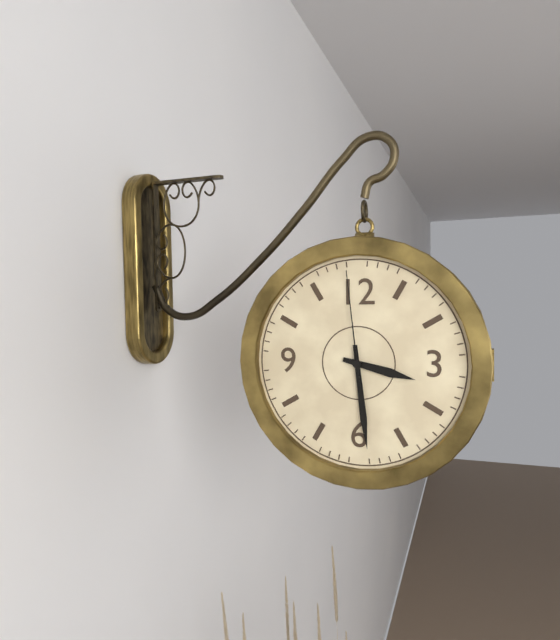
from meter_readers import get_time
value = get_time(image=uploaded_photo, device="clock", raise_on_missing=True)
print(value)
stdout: 3:29:59
